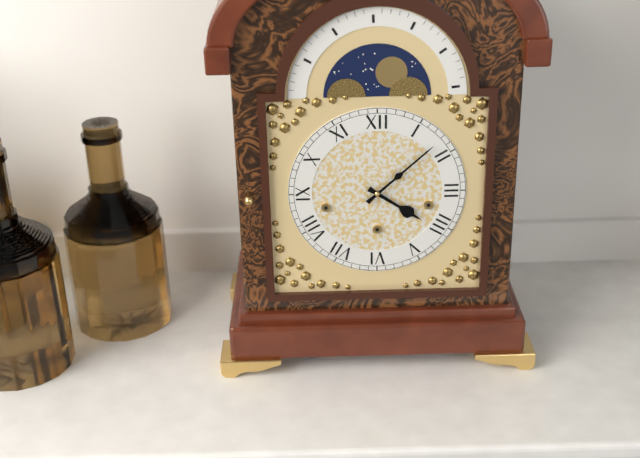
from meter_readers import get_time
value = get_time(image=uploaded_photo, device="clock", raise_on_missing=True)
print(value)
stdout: 4:08
